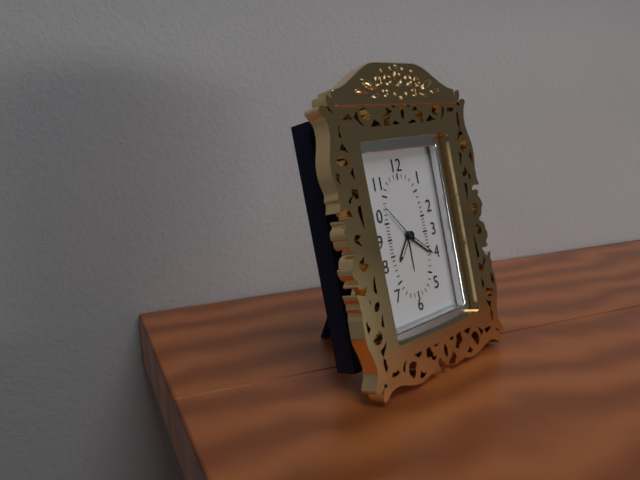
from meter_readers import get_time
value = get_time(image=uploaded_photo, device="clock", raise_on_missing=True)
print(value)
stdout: 7:21
